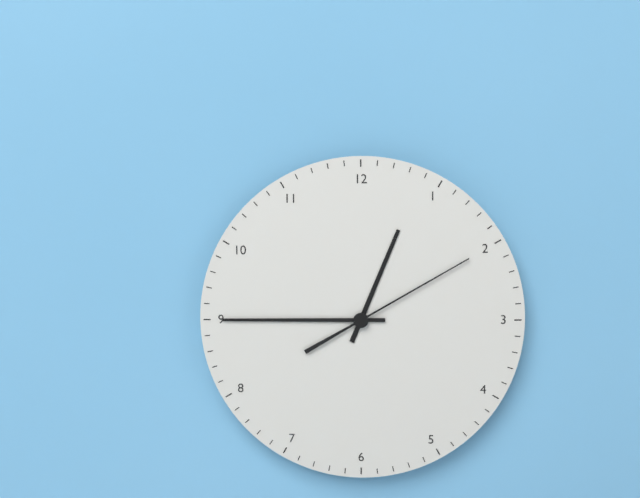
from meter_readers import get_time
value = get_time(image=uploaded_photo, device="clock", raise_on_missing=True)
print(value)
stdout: 12:45:10
